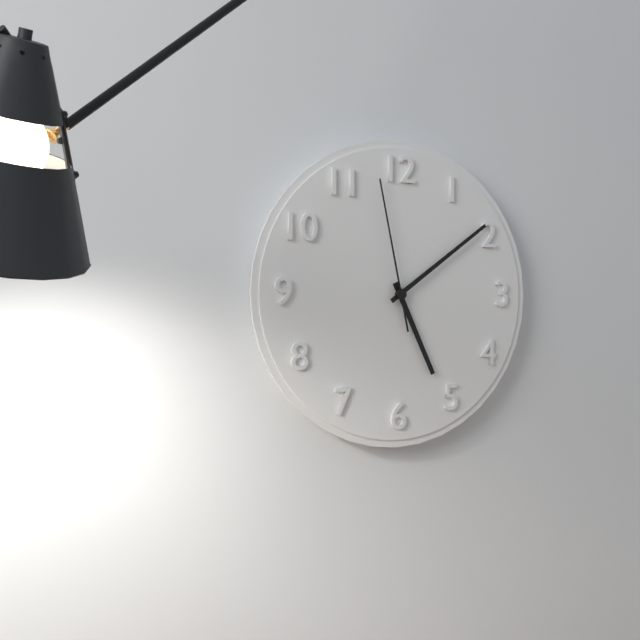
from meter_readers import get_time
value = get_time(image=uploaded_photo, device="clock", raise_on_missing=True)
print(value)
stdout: 5:09:58
